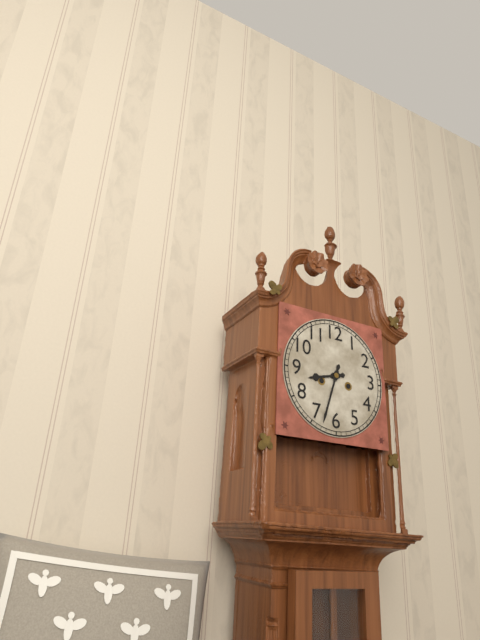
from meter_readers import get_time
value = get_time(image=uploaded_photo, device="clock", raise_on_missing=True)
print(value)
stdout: 8:33
